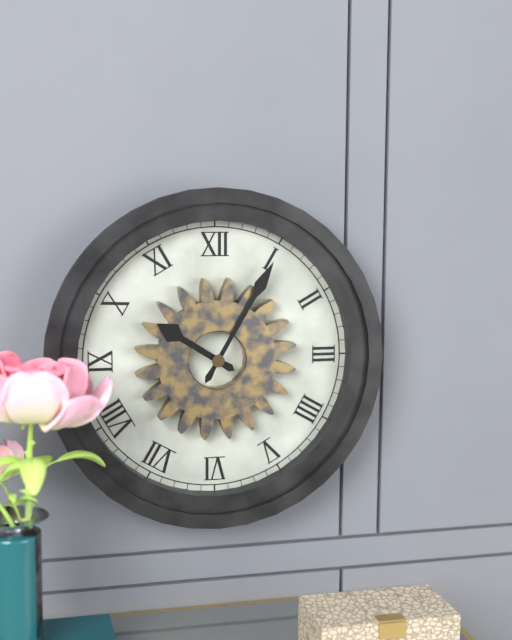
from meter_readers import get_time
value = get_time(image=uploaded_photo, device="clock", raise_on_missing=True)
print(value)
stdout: 10:05
